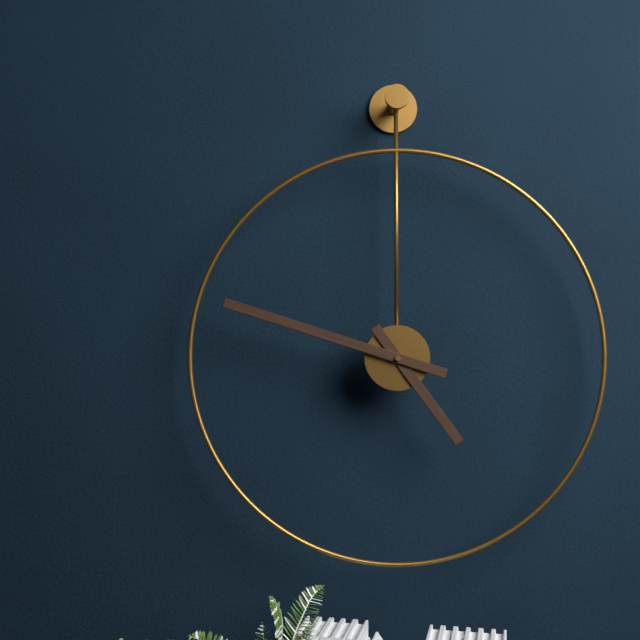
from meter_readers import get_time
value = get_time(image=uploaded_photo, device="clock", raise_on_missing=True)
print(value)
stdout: 4:48
